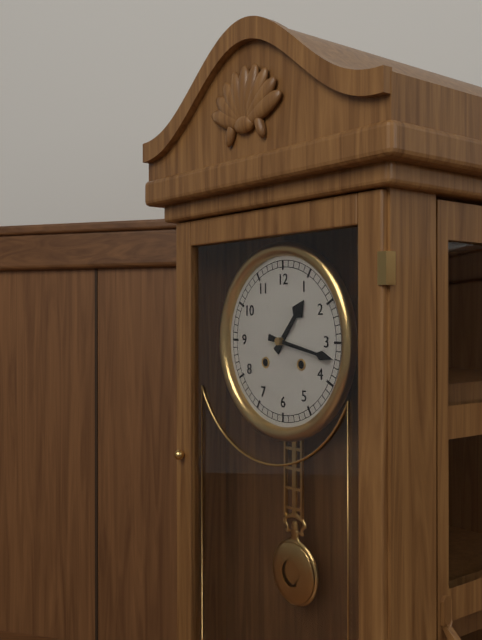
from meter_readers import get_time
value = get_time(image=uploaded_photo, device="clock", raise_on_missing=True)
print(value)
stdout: 1:17
